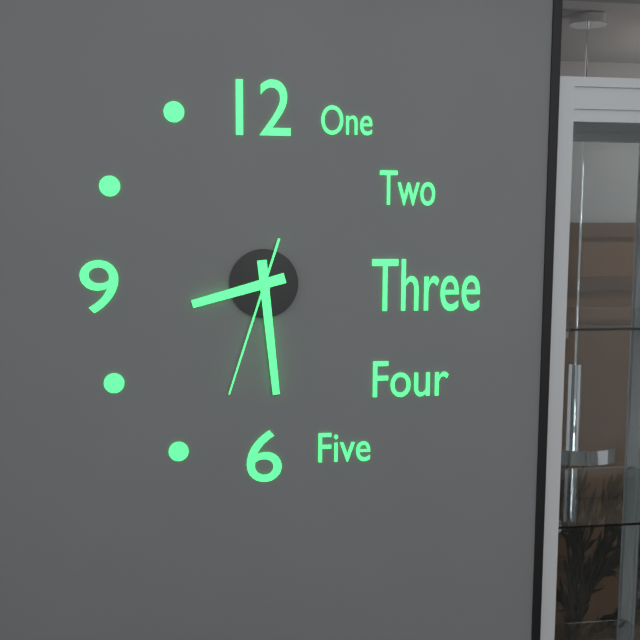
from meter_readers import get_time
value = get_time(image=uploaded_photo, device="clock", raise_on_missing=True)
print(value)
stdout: 8:29:33
